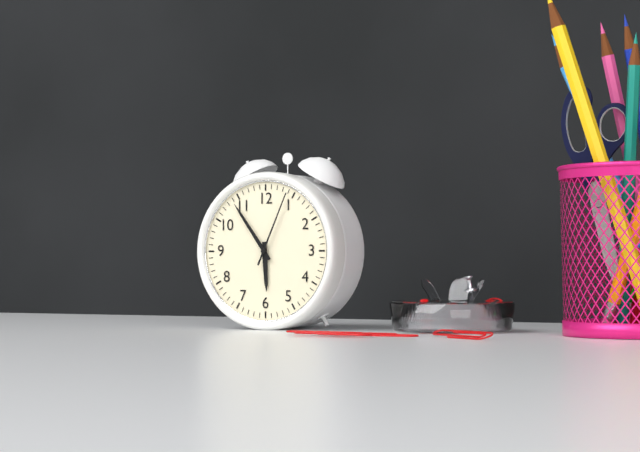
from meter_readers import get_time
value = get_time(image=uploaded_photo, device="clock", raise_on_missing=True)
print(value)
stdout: 5:54:04
